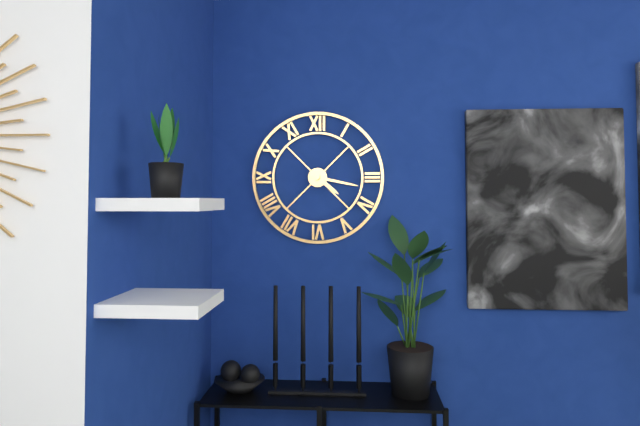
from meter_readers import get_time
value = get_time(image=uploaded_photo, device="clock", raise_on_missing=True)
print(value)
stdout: 4:17
